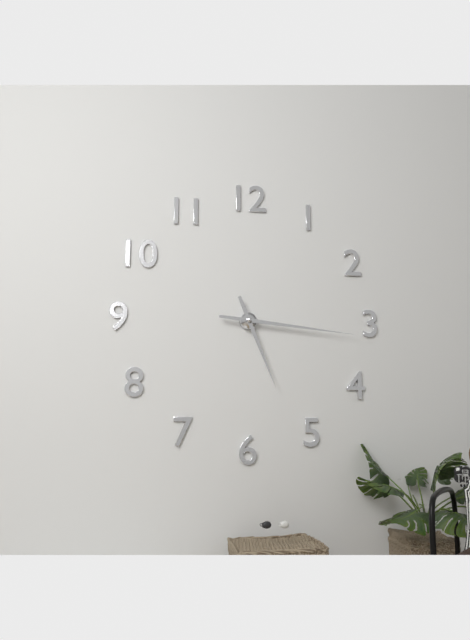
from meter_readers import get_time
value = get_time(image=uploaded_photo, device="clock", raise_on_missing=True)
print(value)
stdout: 5:16
